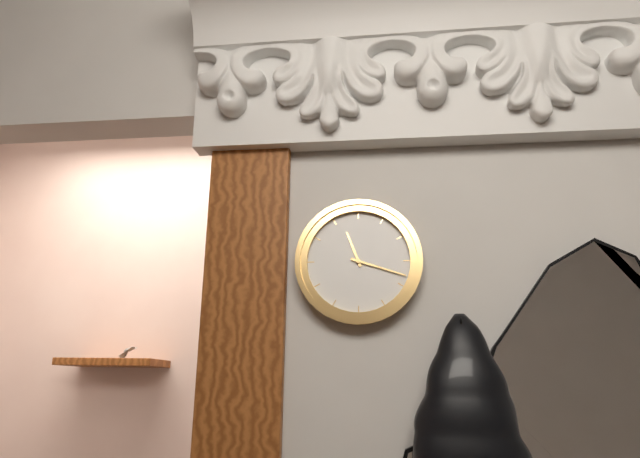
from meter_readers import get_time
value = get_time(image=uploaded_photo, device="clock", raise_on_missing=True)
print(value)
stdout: 11:18
